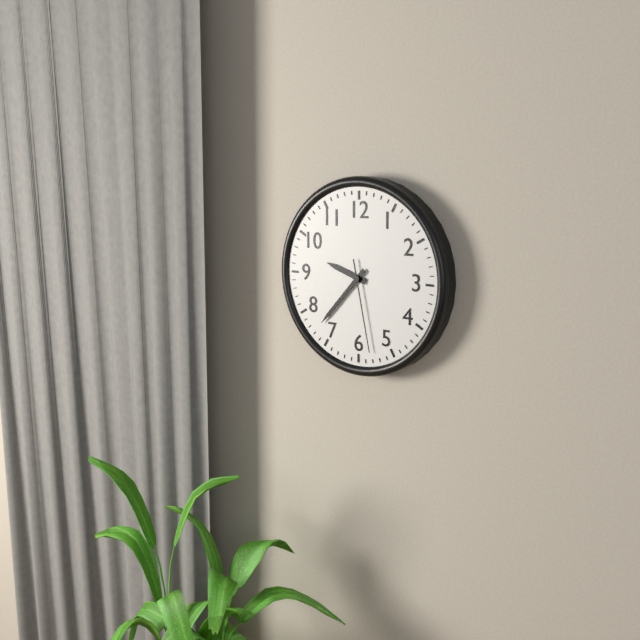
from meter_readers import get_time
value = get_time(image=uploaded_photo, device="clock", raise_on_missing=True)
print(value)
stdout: 9:37:28
